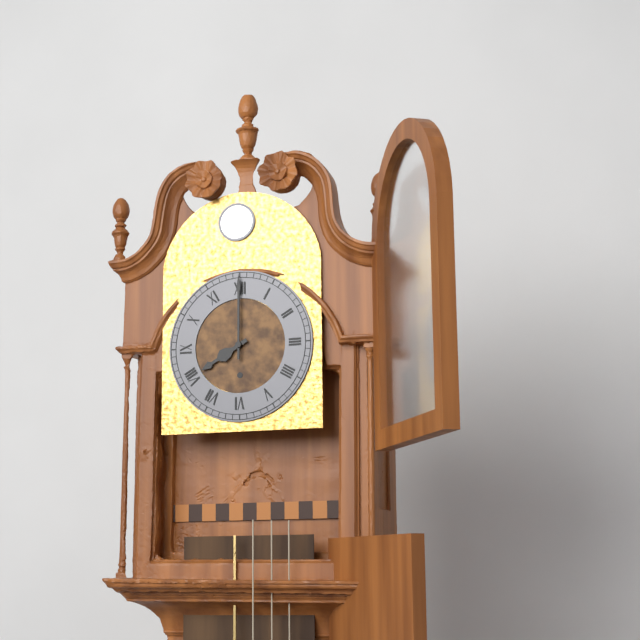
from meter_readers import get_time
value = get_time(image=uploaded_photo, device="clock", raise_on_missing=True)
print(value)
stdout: 8:00
